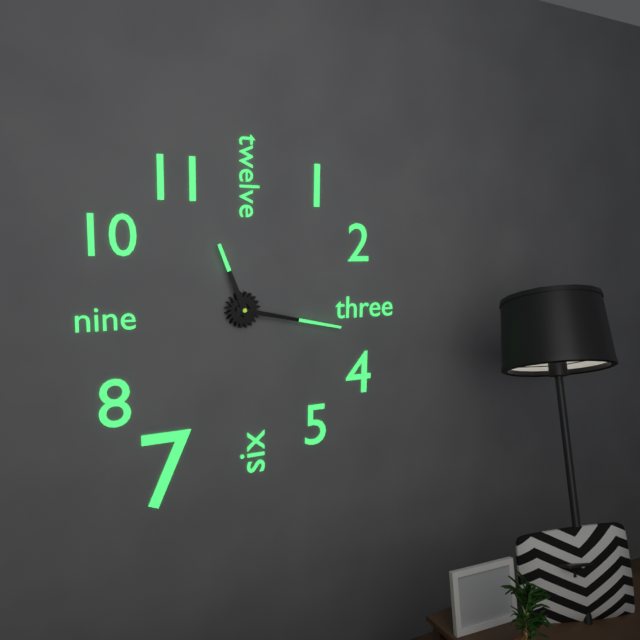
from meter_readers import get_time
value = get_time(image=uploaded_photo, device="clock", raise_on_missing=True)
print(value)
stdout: 11:17
